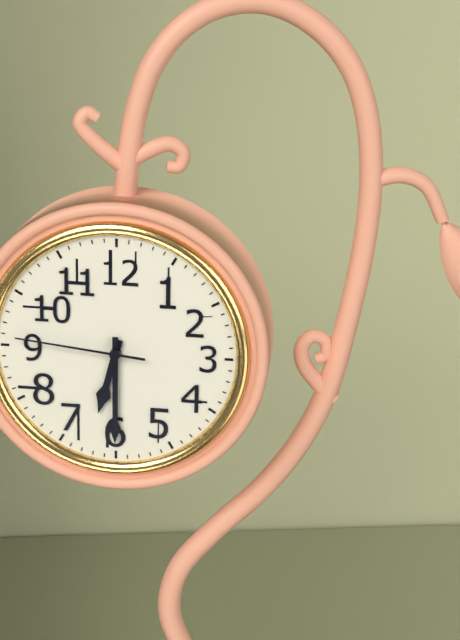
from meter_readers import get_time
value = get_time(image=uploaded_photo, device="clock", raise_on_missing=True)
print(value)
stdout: 6:30:46
